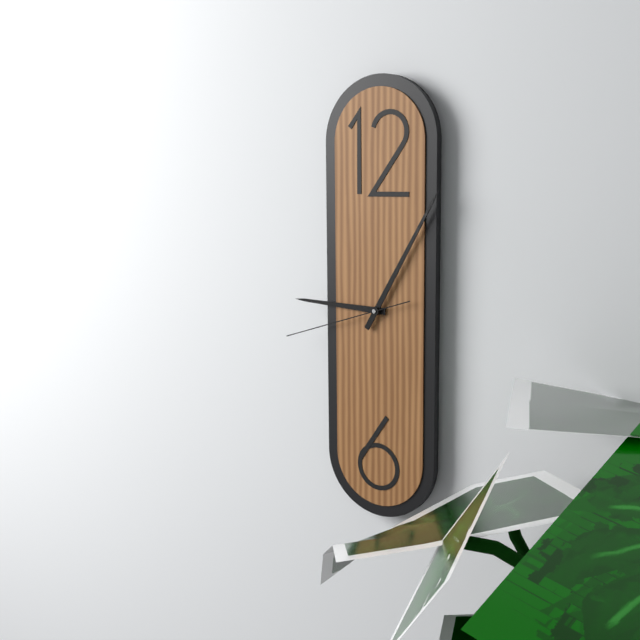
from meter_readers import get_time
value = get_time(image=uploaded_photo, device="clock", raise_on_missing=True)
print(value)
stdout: 9:05:42
